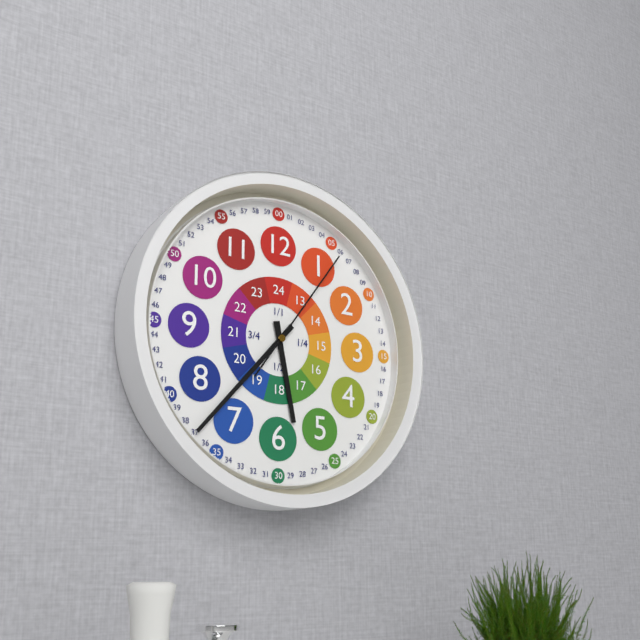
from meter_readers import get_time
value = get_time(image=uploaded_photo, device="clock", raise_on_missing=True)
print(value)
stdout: 5:37:06
